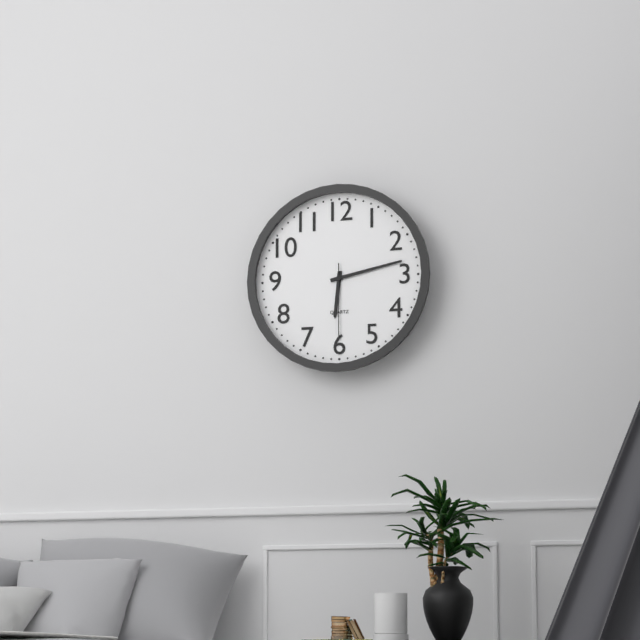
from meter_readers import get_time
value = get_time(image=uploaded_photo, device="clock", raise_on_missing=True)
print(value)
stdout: 6:13:30
